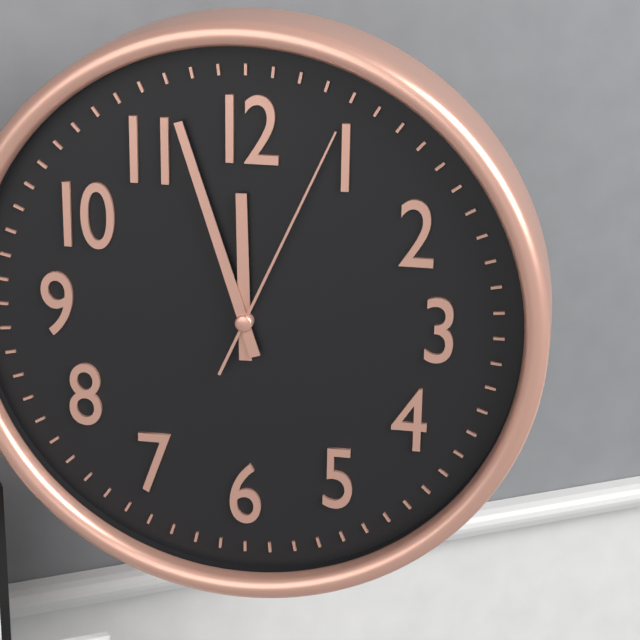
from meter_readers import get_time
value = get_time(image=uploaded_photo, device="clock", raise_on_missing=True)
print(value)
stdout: 11:57:04
